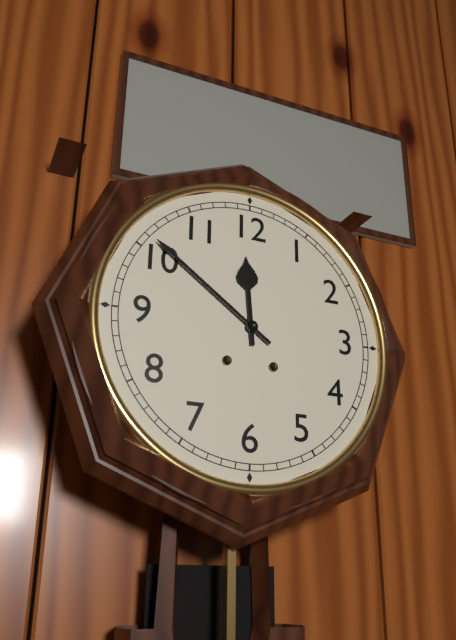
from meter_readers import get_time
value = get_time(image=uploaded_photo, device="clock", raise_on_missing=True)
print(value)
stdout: 11:51
